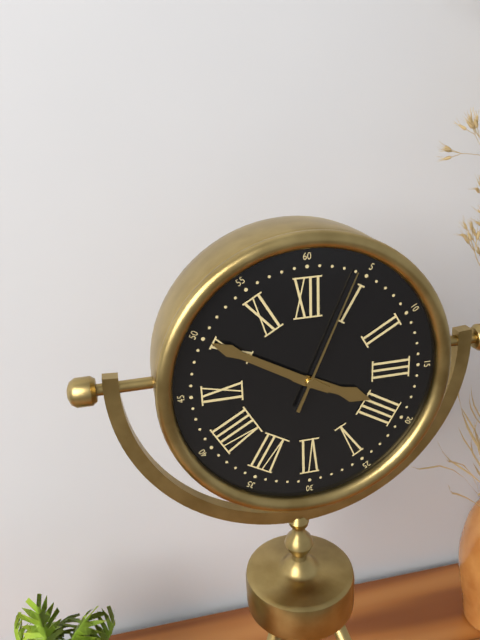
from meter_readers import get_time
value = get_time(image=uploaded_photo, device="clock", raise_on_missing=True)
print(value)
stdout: 3:50:04
